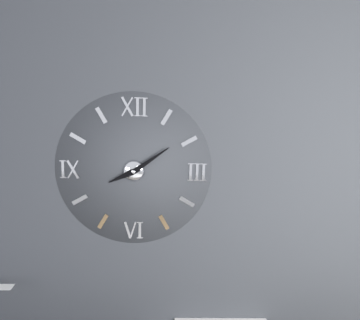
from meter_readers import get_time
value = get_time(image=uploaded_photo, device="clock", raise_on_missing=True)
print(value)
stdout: 8:09
